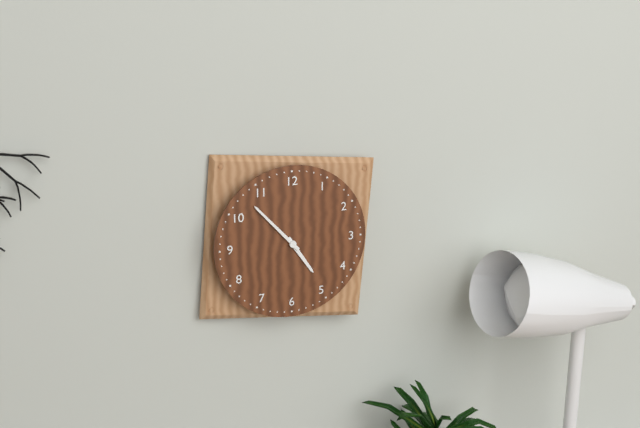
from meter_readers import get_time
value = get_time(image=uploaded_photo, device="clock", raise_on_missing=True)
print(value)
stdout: 4:53
